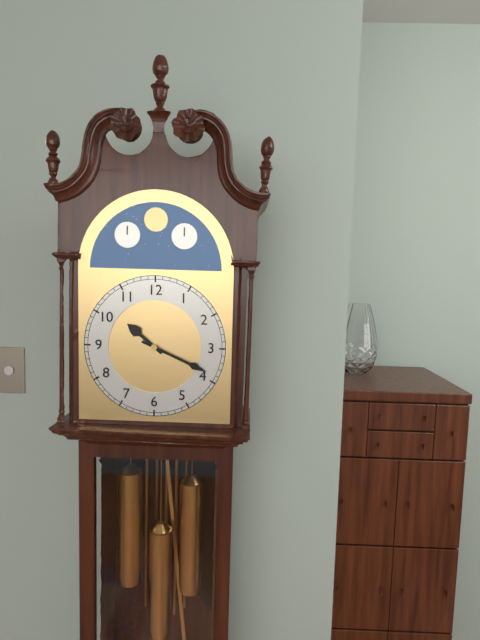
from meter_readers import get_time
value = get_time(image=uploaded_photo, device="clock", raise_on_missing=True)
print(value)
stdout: 10:19
